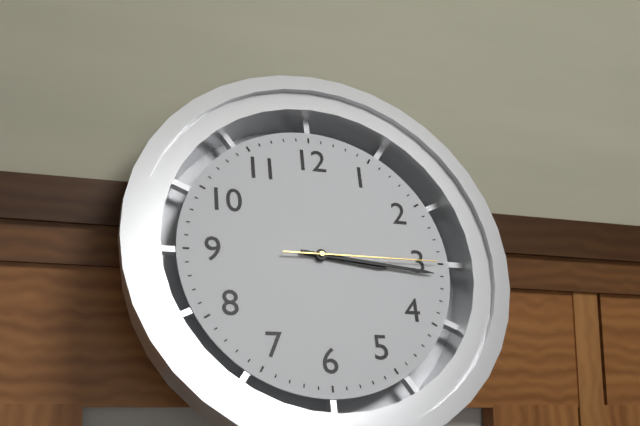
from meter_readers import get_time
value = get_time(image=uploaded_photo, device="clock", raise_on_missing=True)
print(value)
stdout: 3:16:15
